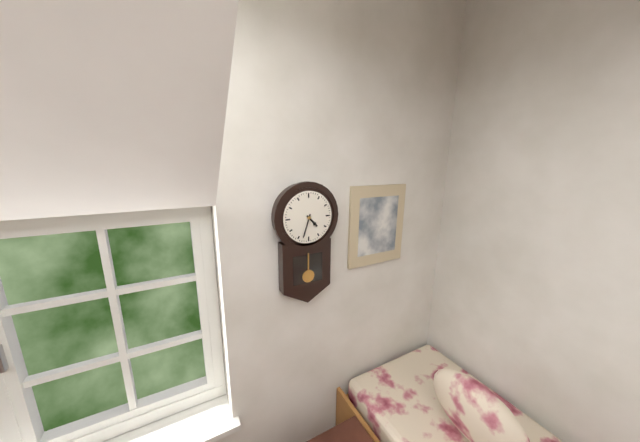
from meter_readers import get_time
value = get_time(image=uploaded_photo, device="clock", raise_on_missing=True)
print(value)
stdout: 4:33
